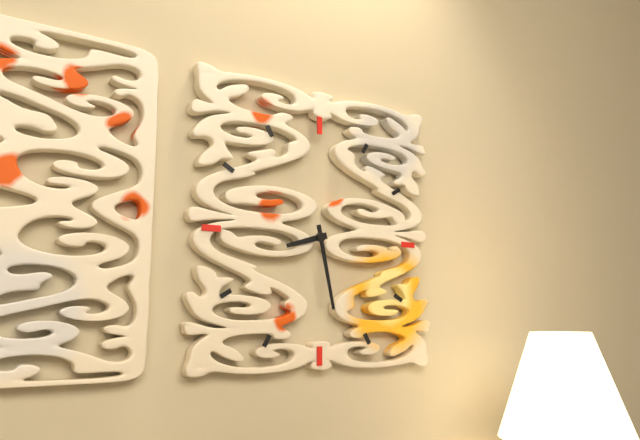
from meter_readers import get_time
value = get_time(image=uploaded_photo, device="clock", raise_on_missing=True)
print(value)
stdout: 8:28
